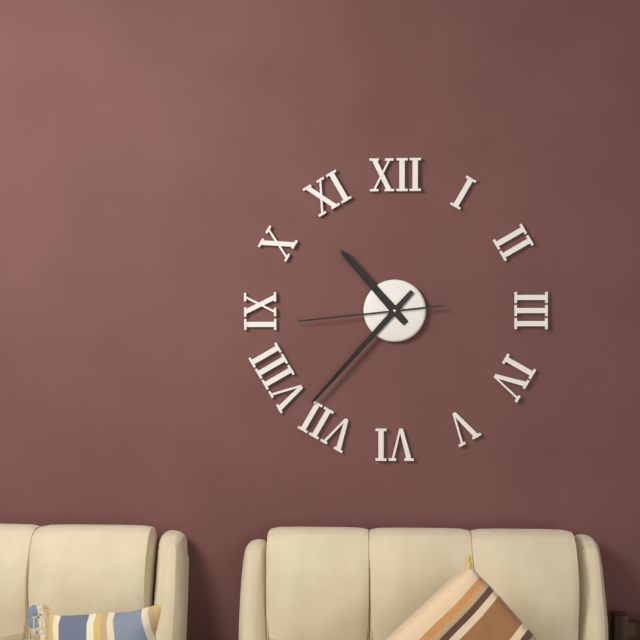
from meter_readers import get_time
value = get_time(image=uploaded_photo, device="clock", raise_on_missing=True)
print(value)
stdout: 10:37:44
